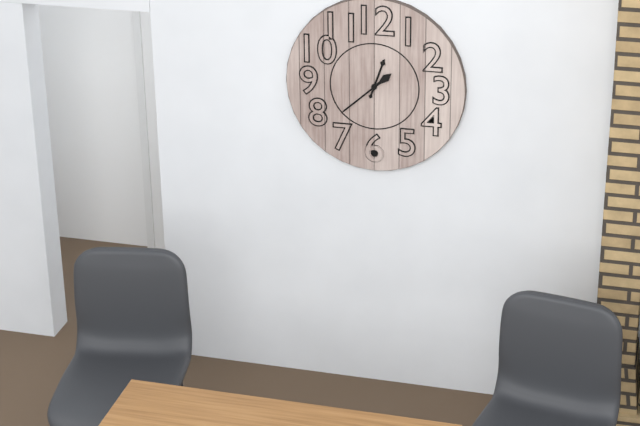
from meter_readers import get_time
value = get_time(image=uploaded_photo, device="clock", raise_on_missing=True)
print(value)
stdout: 12:38
